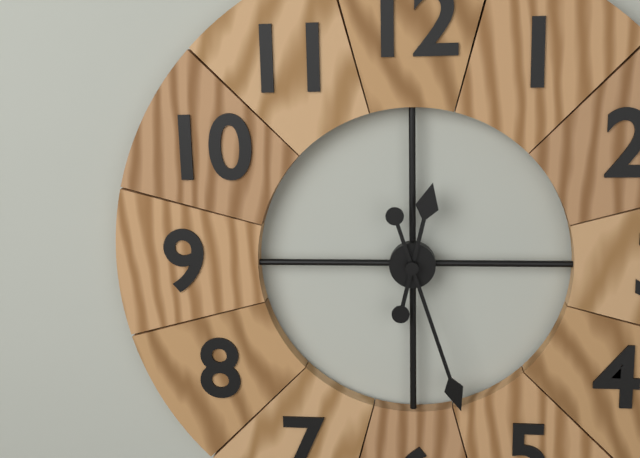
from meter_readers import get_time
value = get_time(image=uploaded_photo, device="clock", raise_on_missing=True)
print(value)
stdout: 12:27
